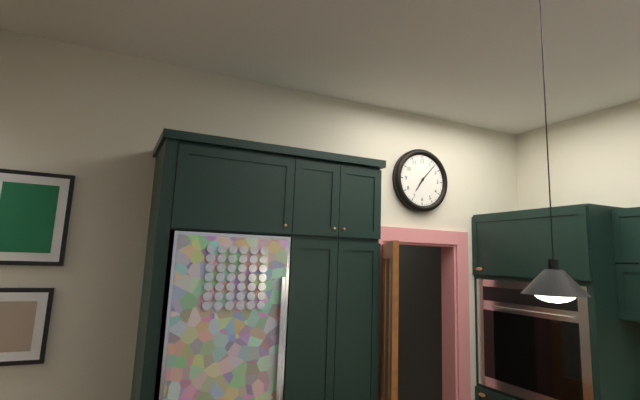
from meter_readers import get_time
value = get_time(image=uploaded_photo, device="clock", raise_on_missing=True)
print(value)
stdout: 7:07
